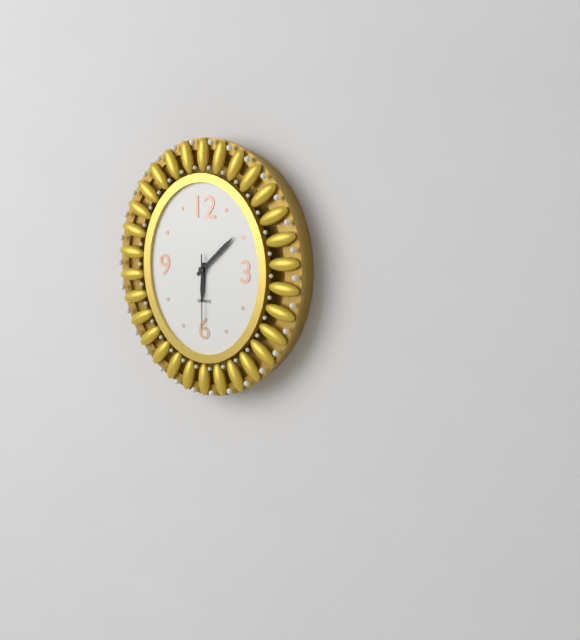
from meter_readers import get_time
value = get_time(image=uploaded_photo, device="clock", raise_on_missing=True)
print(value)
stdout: 6:08:30
